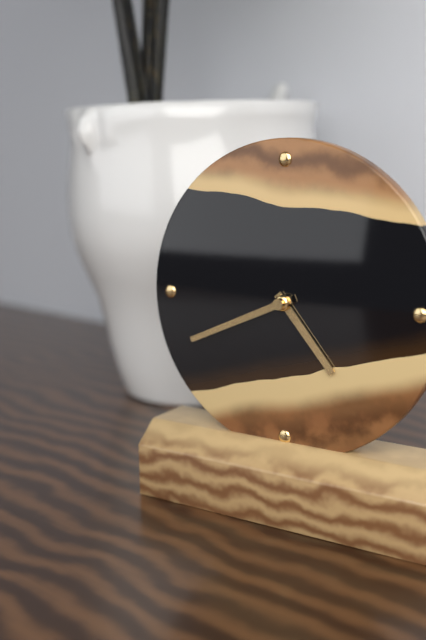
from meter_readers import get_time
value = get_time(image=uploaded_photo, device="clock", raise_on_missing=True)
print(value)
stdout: 4:41
